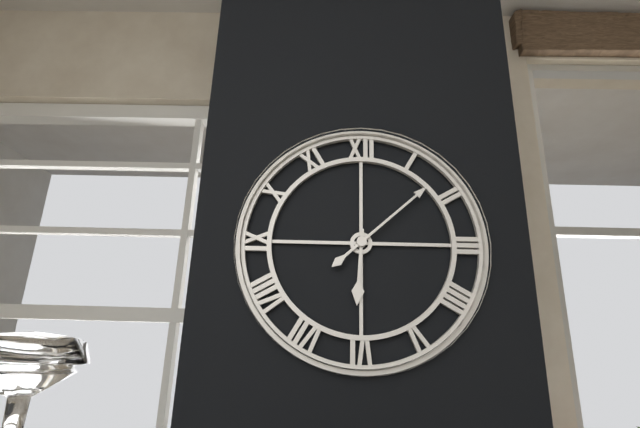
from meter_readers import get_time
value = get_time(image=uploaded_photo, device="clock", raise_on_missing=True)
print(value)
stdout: 6:08
